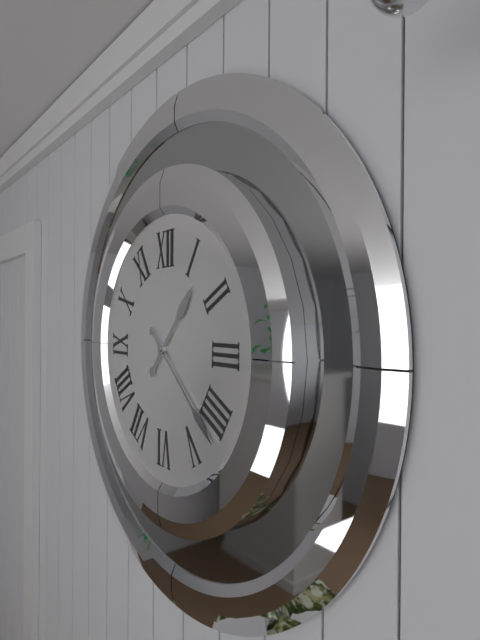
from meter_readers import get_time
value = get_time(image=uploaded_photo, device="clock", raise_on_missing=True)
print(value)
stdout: 1:22
